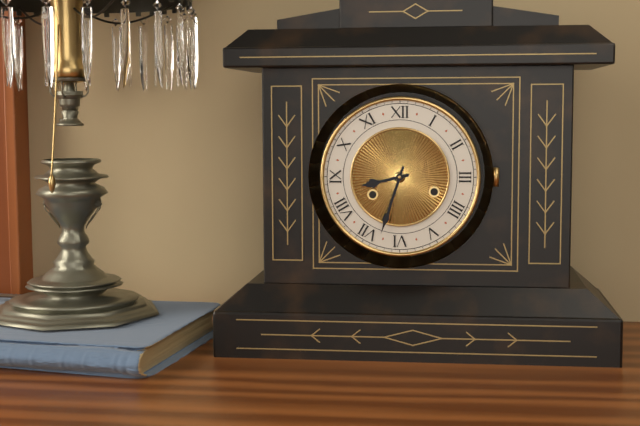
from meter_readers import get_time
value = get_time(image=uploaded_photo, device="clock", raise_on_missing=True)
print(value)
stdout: 8:33
